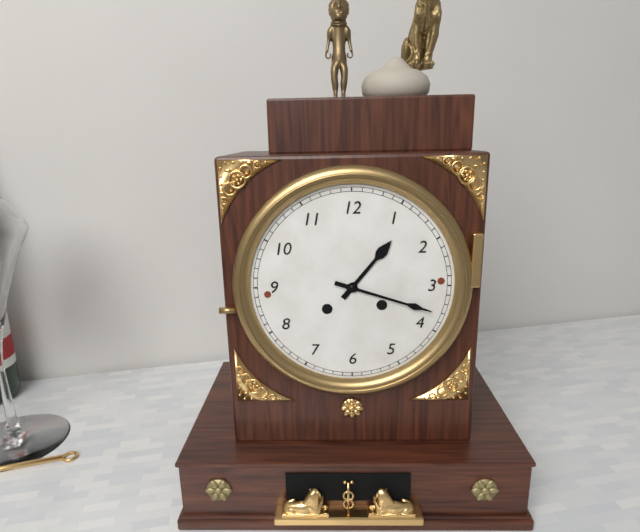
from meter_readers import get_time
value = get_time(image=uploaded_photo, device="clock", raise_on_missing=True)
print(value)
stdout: 1:18
